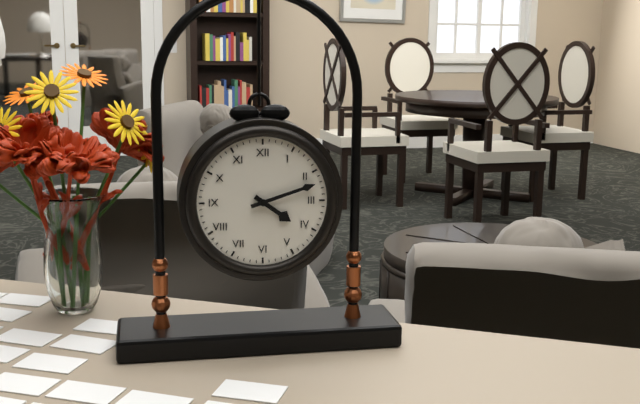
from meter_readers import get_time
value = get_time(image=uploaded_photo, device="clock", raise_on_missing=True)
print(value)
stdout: 4:12
